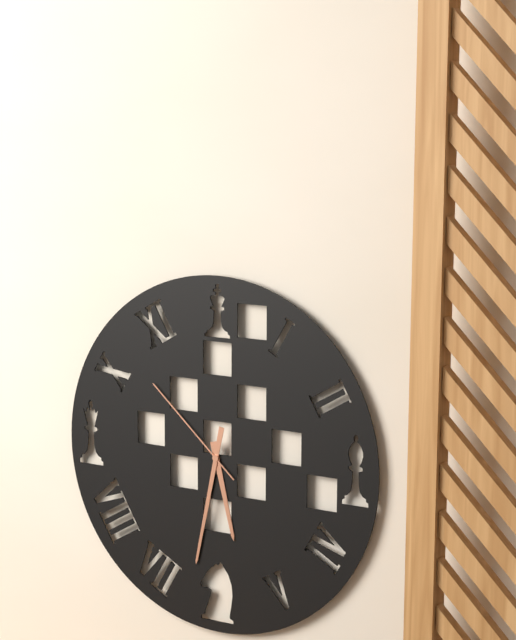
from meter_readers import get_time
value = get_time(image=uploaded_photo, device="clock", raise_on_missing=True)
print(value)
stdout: 5:32:52
